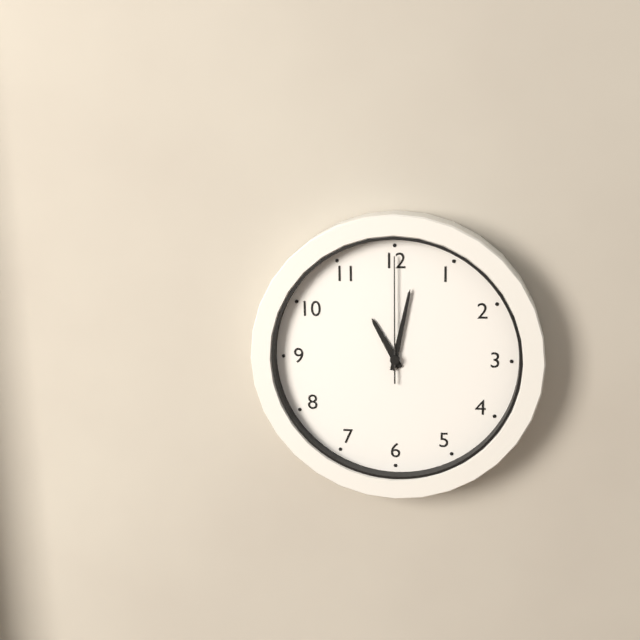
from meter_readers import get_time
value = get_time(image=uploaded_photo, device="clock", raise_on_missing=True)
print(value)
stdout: 11:02:00
